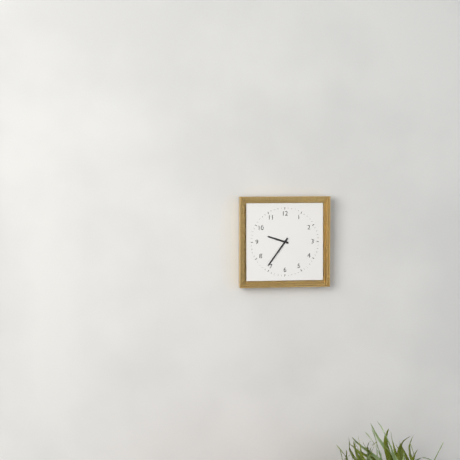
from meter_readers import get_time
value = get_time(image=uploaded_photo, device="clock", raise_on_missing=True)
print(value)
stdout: 9:36
